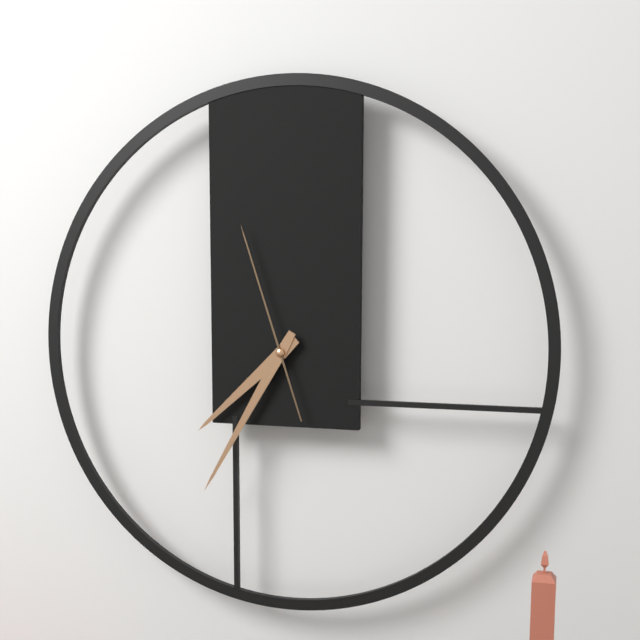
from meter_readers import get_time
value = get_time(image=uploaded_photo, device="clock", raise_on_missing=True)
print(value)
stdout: 7:35:57
